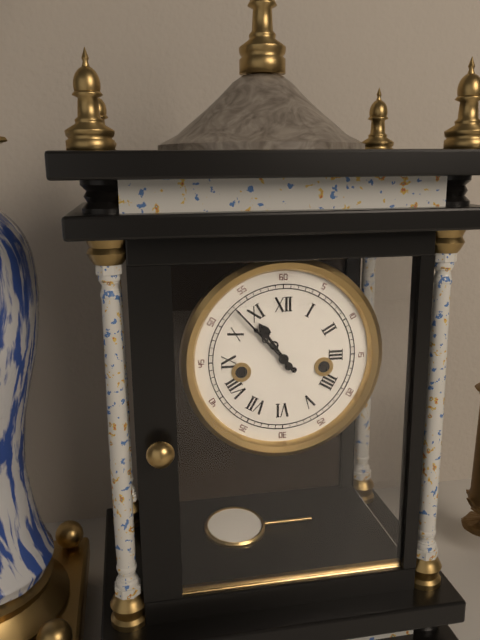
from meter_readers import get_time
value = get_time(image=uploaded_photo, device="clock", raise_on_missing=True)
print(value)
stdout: 10:53
